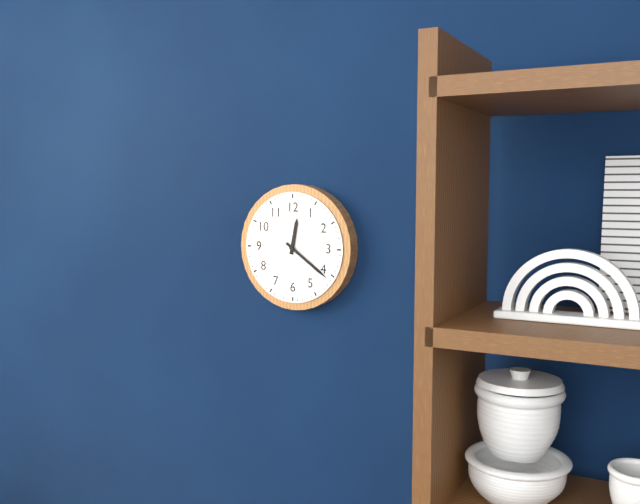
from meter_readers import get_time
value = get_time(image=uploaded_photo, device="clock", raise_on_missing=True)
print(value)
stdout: 12:21
